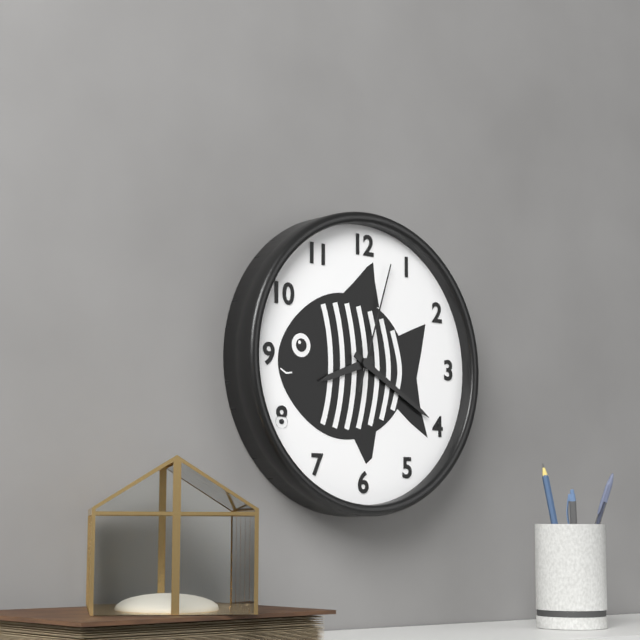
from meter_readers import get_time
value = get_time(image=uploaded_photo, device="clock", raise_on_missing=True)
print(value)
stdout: 8:20:03
